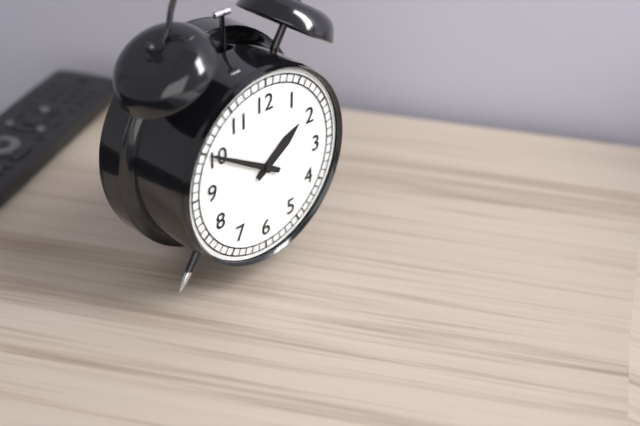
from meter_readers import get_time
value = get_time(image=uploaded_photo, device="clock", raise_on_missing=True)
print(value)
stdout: 1:50
